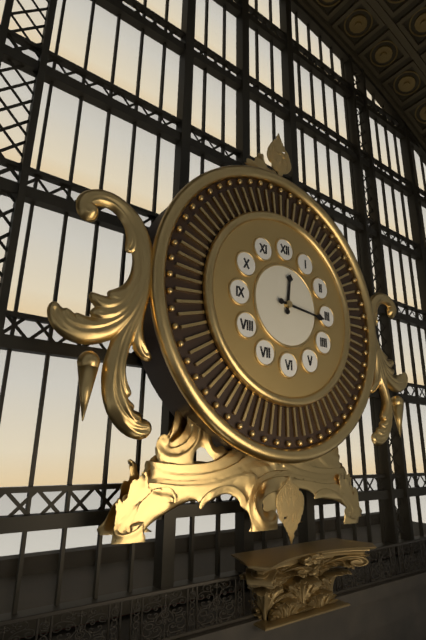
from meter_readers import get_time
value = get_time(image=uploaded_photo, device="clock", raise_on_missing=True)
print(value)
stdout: 12:16
